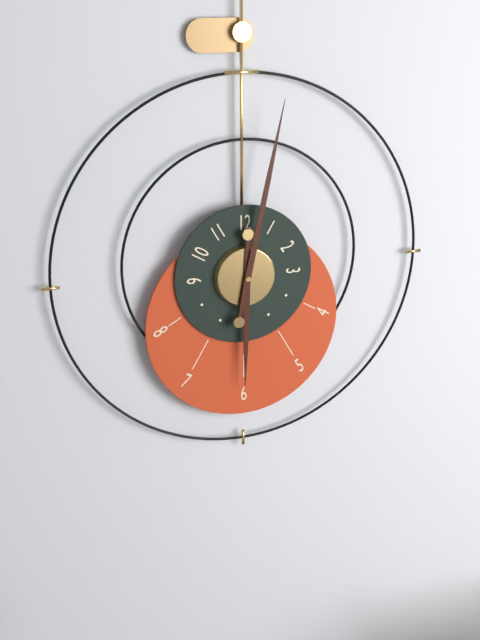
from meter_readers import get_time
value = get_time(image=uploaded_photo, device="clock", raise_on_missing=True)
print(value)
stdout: 6:02
